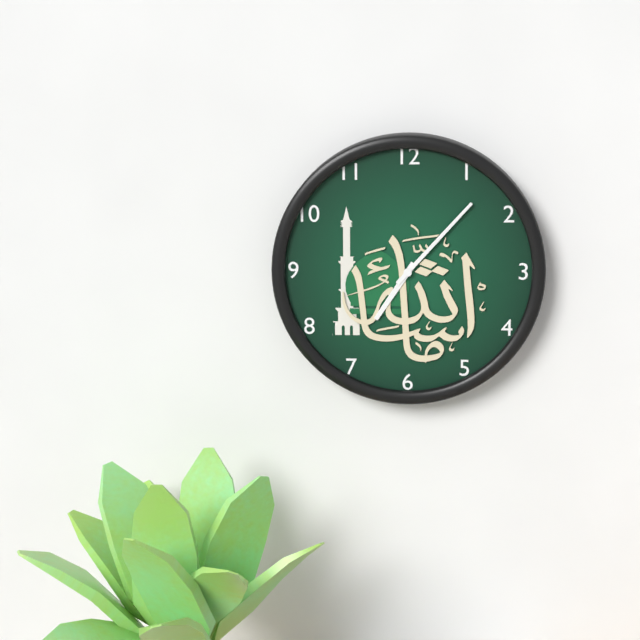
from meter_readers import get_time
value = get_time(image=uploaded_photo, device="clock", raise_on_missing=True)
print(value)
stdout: 7:07
